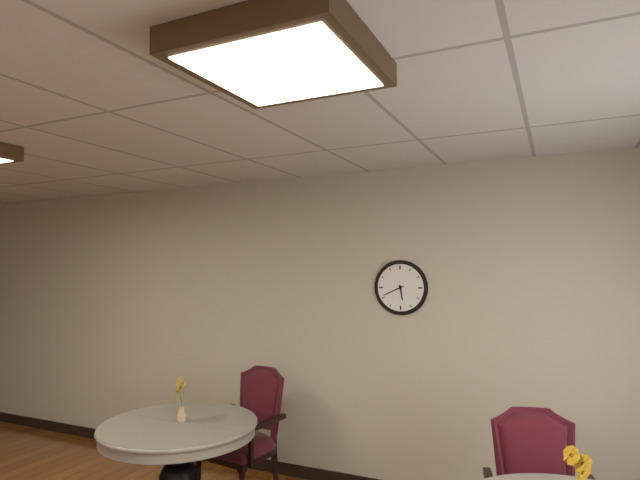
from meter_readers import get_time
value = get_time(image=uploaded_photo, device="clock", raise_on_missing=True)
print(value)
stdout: 5:41
